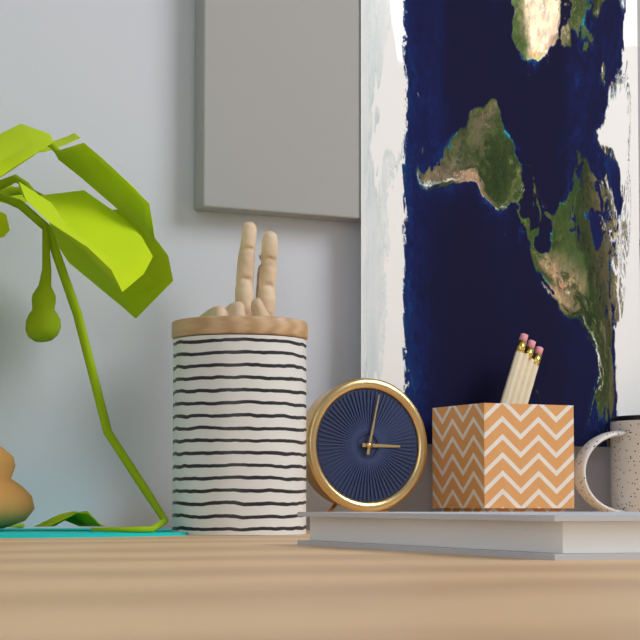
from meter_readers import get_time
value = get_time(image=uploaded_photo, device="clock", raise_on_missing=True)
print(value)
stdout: 3:02
